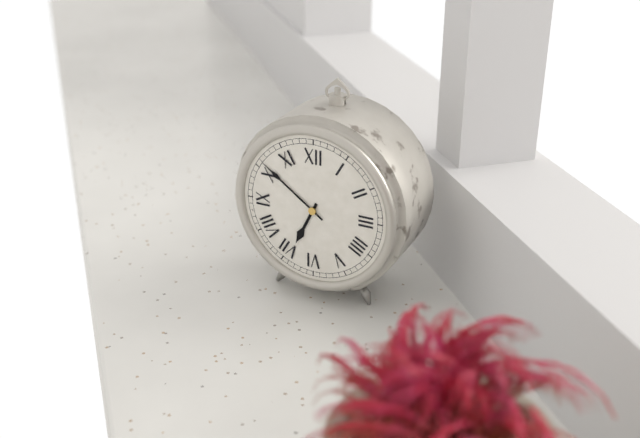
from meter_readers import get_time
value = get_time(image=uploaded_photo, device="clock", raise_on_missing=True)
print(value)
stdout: 6:51
